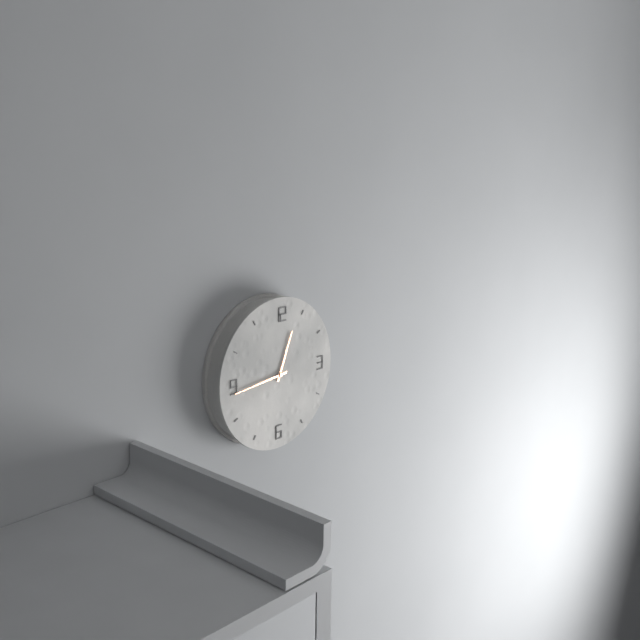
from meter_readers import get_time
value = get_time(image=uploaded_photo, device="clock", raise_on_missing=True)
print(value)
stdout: 12:44
